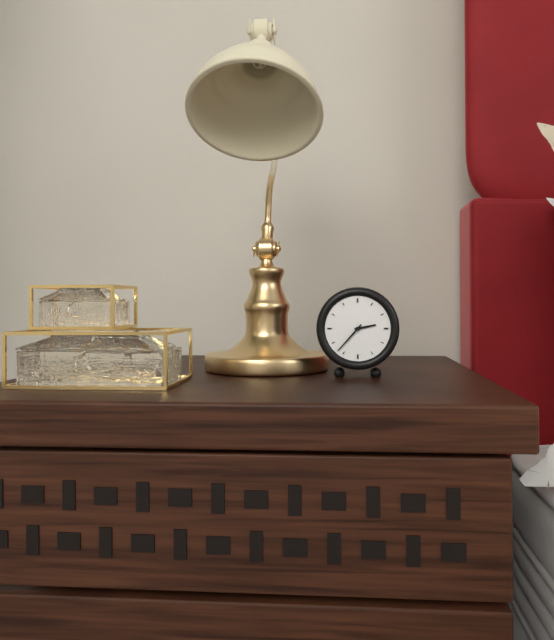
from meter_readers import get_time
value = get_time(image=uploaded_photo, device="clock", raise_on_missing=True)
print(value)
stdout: 2:37
